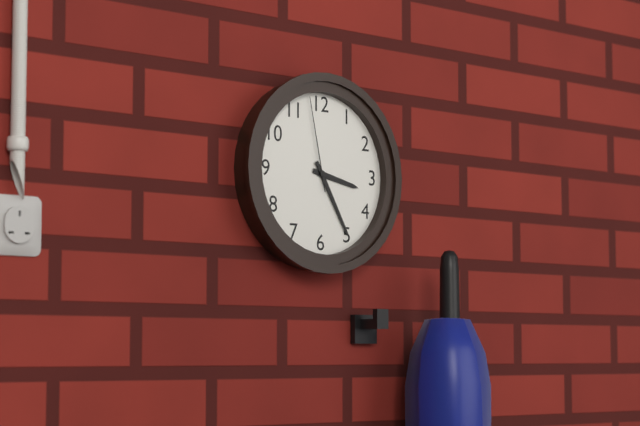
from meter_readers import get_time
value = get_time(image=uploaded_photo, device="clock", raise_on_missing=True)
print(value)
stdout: 3:25:58
